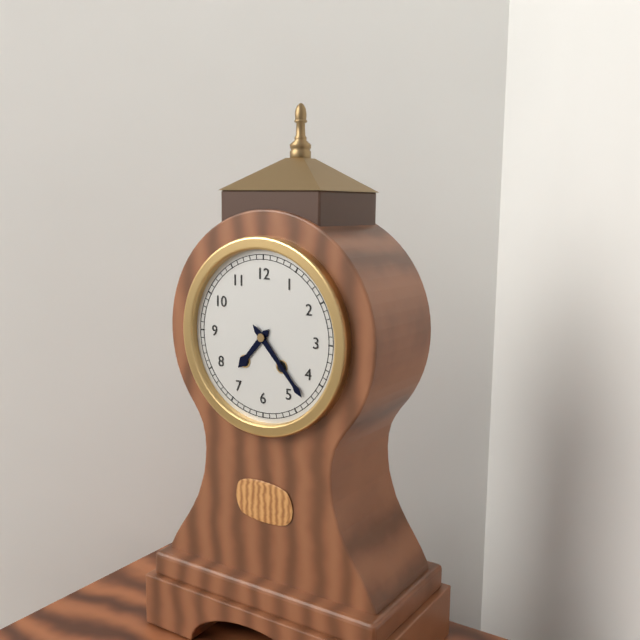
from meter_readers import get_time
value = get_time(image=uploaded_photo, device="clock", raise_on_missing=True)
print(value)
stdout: 7:23
